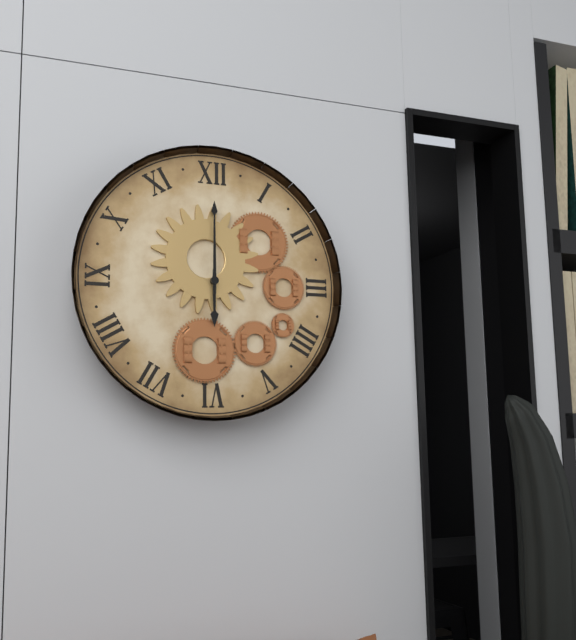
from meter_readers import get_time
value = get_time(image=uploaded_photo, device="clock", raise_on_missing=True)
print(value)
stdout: 6:00
